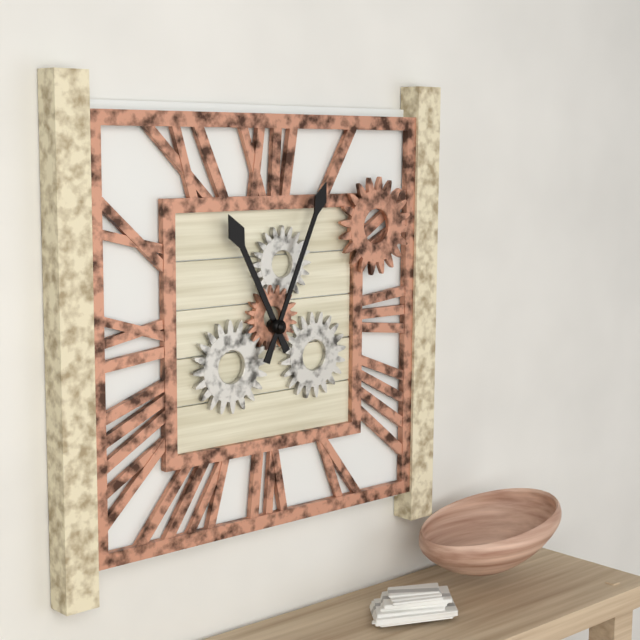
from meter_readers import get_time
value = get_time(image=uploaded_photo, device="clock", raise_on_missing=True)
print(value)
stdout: 11:04
